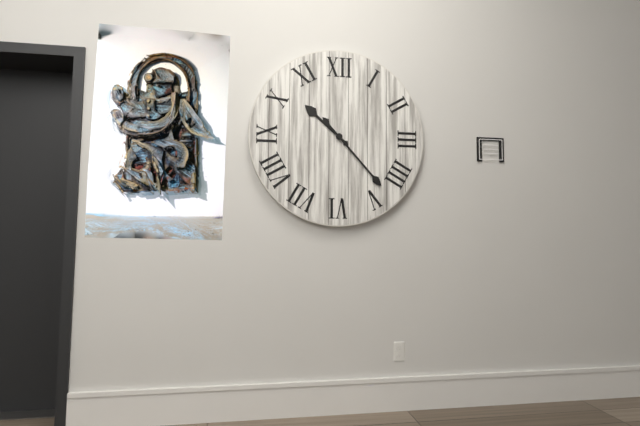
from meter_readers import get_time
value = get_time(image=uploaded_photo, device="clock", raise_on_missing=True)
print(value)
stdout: 10:23
